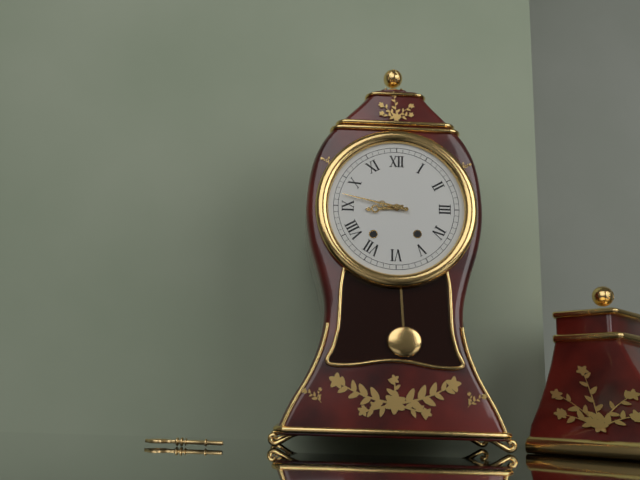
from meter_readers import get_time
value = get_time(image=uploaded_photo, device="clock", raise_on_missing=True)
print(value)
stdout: 8:47
